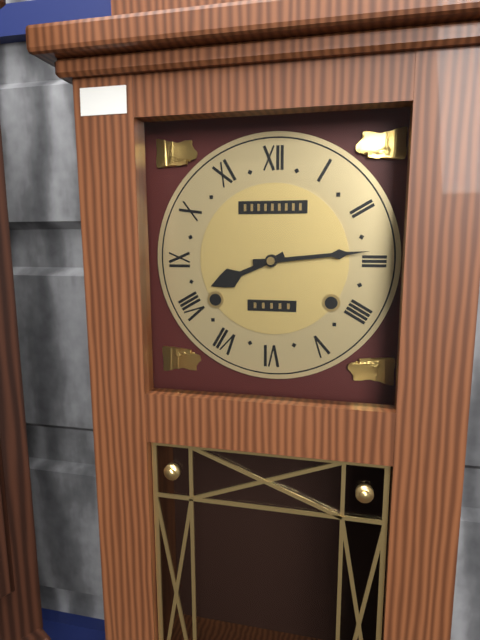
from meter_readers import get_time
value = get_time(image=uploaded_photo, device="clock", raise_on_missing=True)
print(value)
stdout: 8:14
